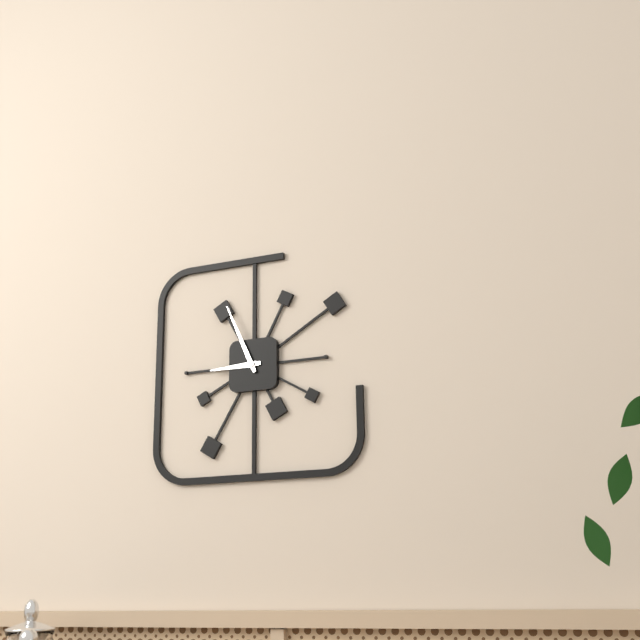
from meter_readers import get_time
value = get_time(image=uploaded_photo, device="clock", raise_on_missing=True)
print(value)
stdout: 8:56
